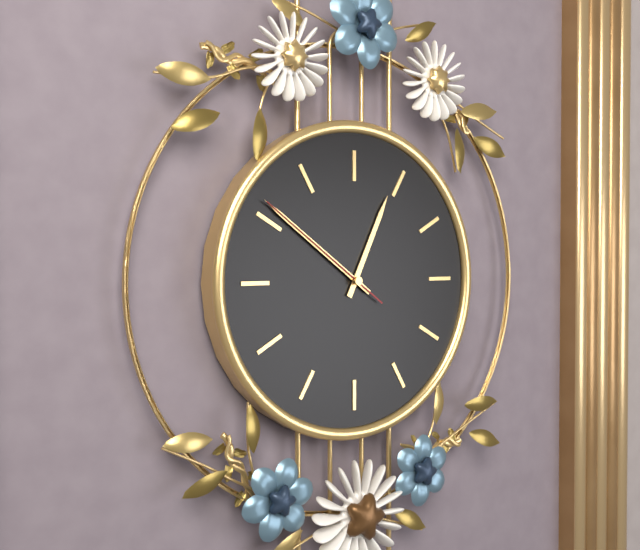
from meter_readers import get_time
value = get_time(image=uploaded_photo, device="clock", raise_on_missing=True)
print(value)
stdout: 12:51:51
